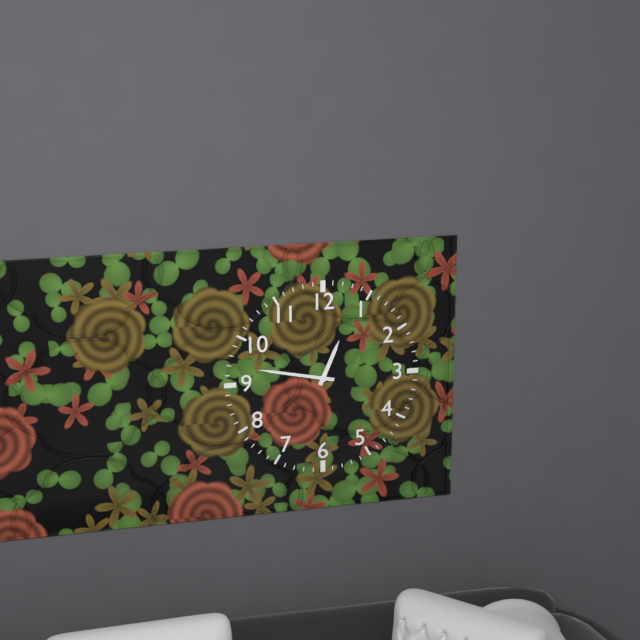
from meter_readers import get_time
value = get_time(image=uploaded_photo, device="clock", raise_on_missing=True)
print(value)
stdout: 12:47
